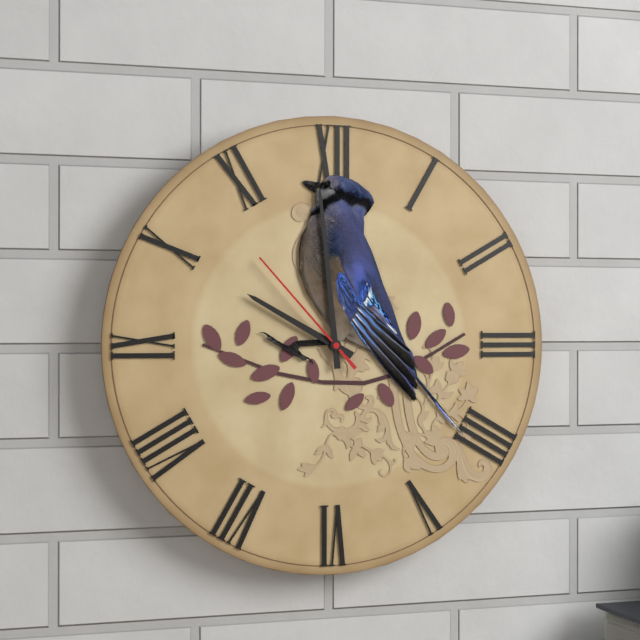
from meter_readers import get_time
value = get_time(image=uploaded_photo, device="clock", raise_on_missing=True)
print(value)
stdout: 9:59:53
